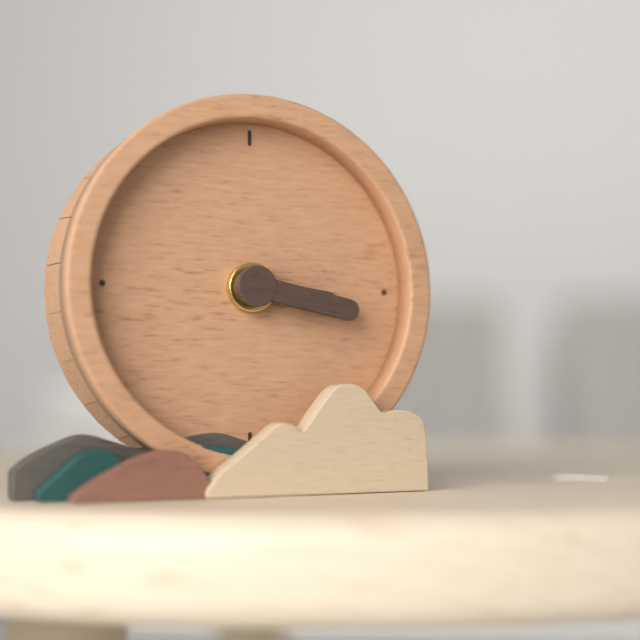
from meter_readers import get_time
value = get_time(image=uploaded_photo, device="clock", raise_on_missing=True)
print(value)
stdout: 3:17
